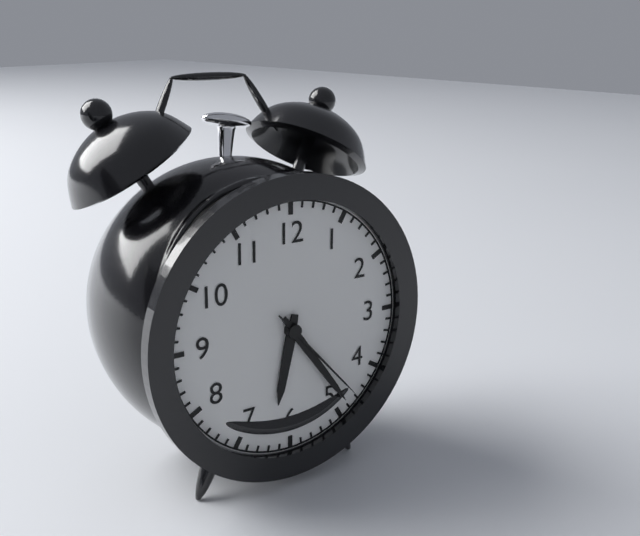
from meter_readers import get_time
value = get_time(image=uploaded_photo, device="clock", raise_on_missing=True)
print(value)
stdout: 6:24:23
